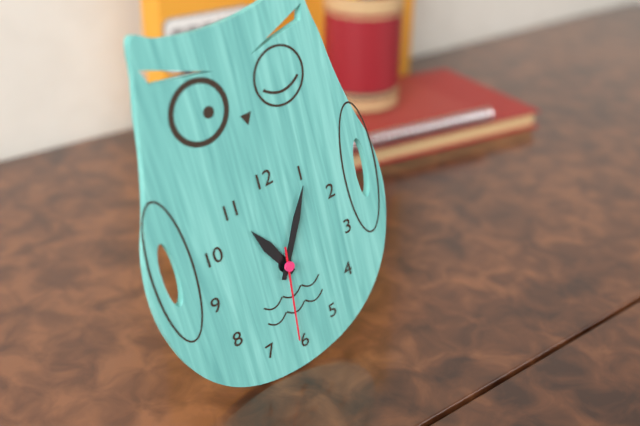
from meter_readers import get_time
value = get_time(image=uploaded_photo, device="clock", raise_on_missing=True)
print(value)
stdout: 11:05:31
